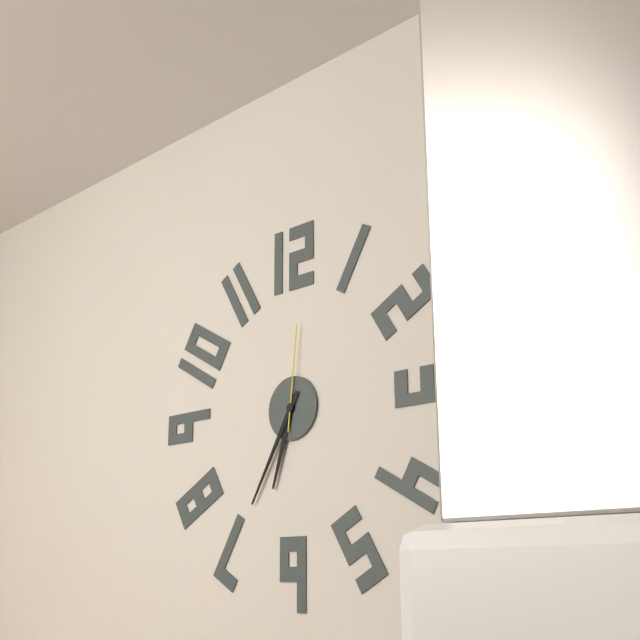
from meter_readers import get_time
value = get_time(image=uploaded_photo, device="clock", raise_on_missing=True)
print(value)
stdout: 6:35:01
